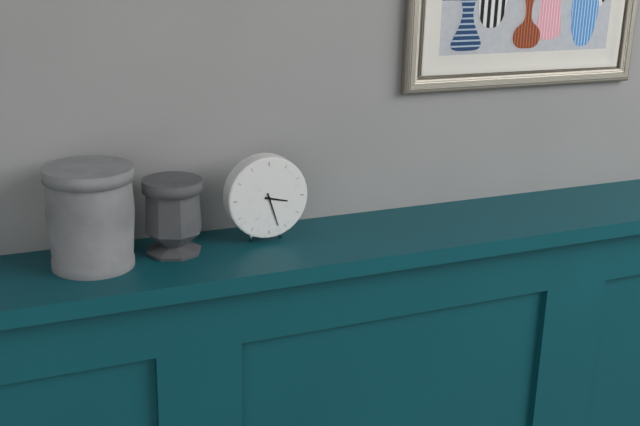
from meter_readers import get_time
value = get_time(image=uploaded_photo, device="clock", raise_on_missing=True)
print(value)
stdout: 3:27
